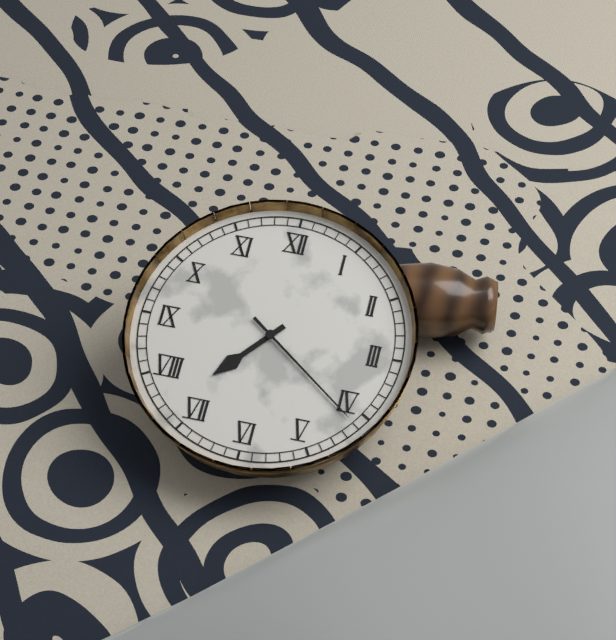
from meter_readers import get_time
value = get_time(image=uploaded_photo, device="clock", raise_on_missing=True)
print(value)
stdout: 7:21
